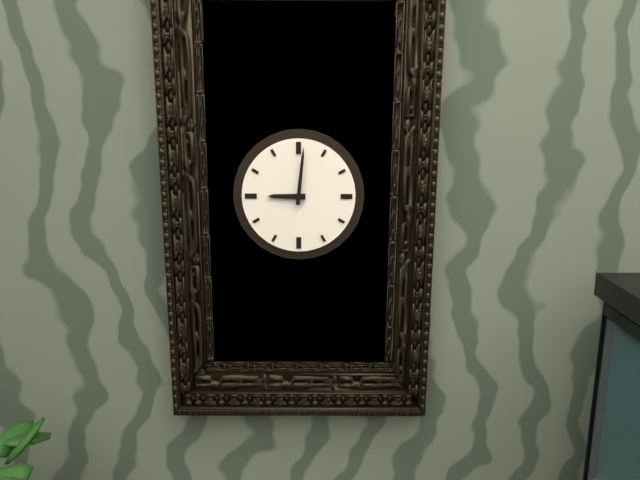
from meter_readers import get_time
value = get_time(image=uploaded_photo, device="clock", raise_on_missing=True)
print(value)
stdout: 9:01
